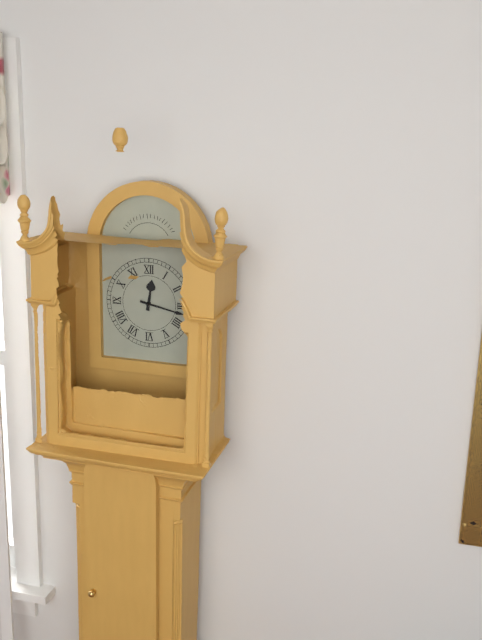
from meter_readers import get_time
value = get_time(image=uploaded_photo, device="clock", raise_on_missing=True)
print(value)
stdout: 12:17
